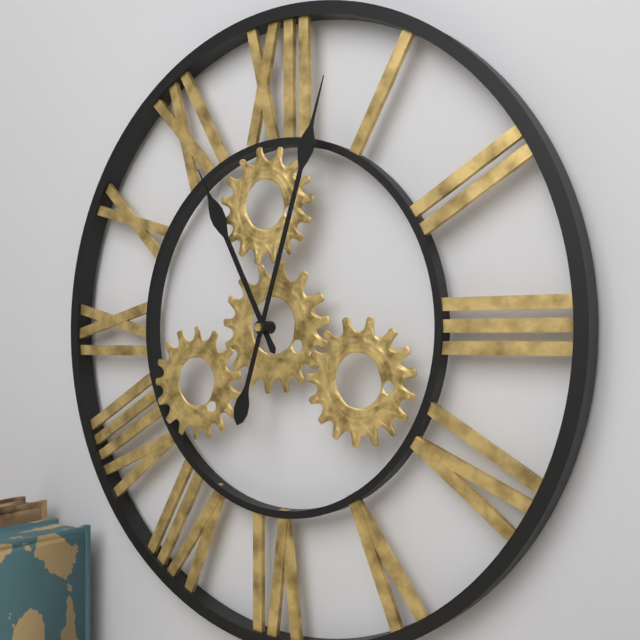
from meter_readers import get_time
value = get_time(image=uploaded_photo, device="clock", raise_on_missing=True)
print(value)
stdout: 11:03
